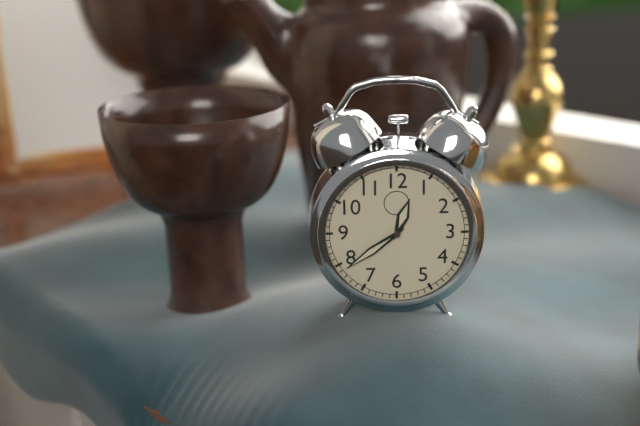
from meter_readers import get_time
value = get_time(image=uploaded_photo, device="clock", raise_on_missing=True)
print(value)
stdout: 12:39
